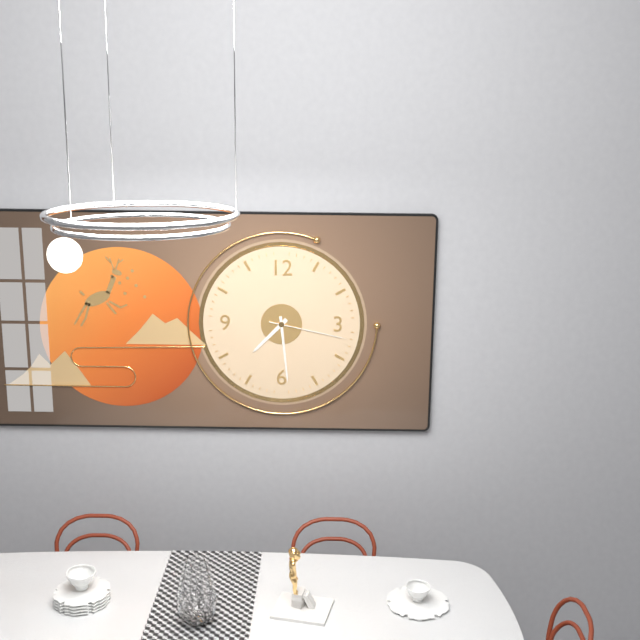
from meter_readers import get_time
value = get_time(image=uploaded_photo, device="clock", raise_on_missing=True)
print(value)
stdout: 7:29:17
